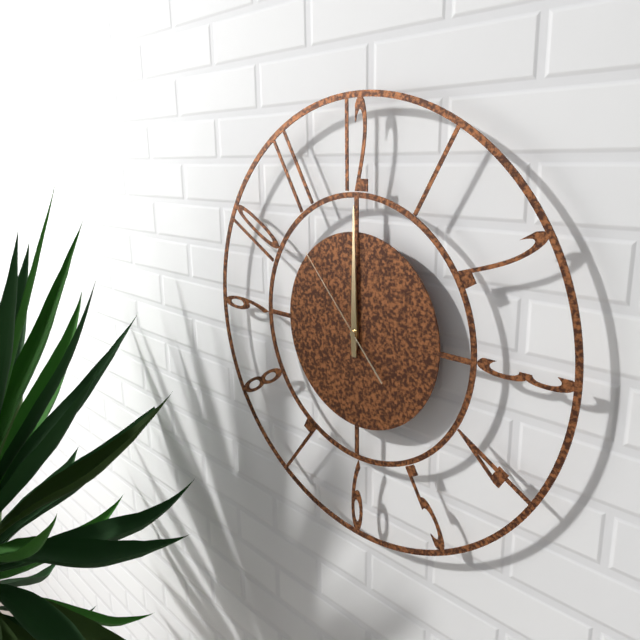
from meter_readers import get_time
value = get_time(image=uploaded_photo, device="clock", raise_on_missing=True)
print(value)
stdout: 12:00:53
